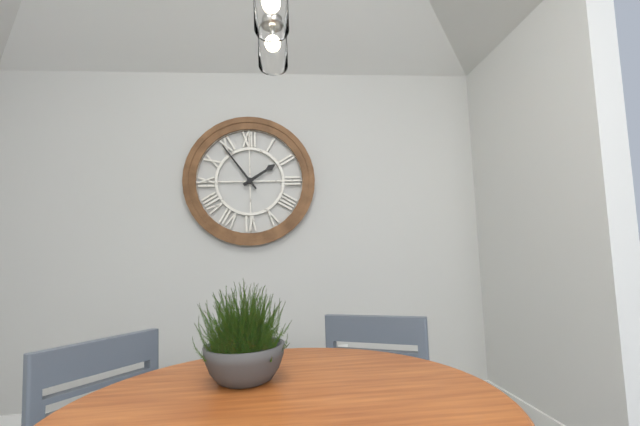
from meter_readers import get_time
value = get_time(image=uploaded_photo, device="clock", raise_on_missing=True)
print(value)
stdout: 1:54
